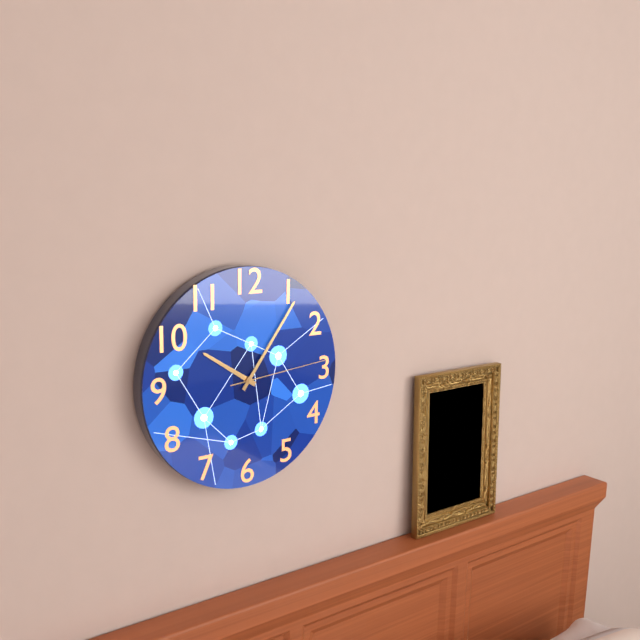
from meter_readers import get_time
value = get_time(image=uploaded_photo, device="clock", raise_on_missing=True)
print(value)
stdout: 10:06:14
